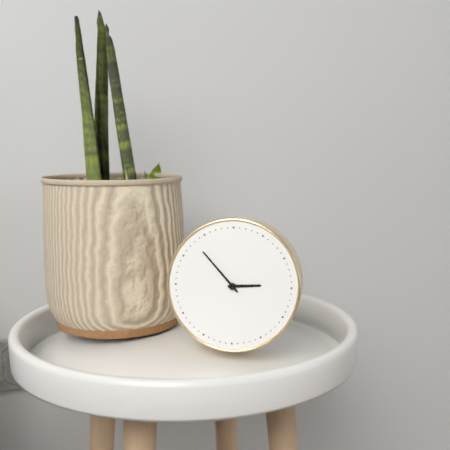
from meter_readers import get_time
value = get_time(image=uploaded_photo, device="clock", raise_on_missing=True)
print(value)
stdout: 2:53
